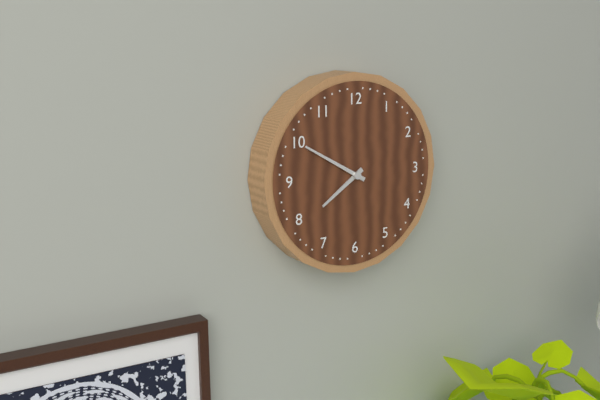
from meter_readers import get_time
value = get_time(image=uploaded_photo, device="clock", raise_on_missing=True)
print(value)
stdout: 7:50
